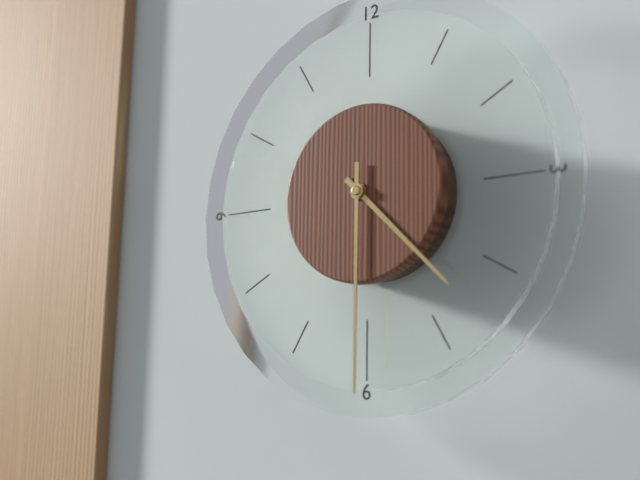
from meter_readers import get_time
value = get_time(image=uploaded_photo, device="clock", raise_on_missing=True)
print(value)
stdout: 4:30
